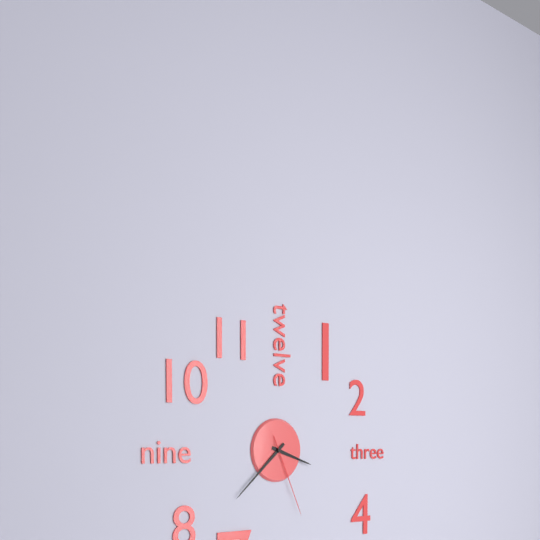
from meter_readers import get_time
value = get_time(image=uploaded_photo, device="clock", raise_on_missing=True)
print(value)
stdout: 3:38:26
